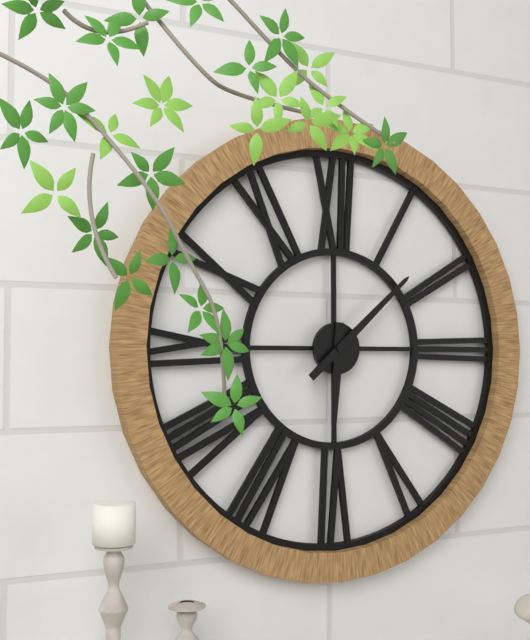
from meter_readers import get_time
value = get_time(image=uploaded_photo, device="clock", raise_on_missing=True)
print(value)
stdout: 6:08
